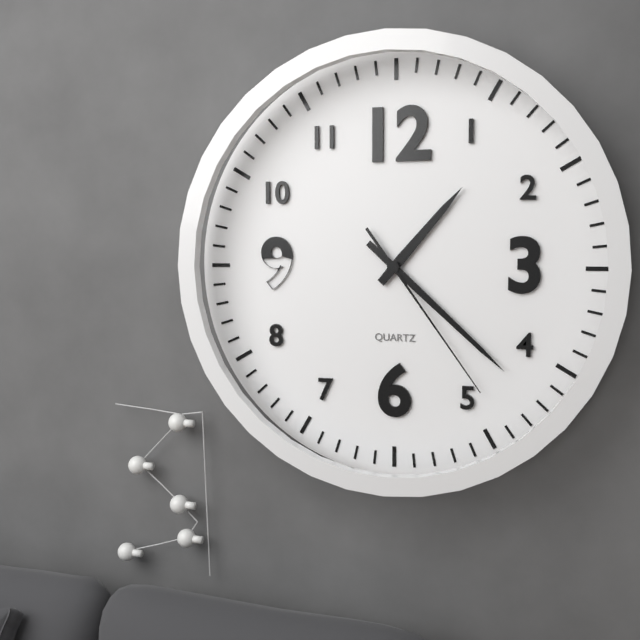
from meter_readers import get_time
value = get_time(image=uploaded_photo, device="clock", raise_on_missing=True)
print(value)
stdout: 1:22:24
